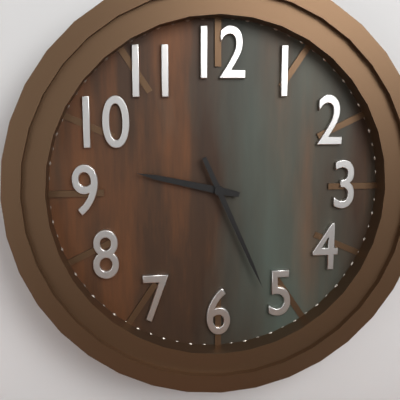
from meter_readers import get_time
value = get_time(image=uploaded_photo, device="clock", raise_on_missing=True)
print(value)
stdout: 9:26
